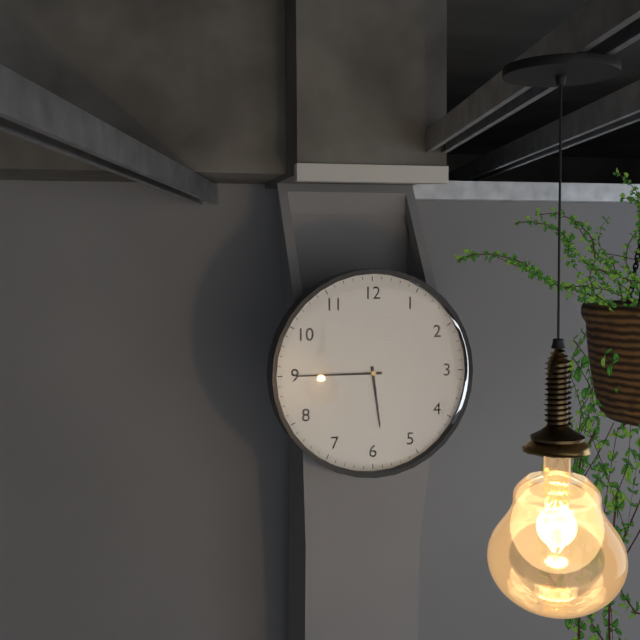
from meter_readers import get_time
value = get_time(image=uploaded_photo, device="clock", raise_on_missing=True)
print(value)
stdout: 5:45
